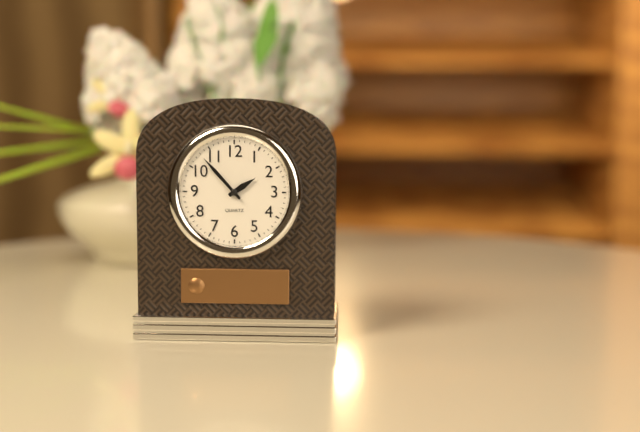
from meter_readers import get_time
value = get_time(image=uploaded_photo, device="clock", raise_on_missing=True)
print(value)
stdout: 1:53
